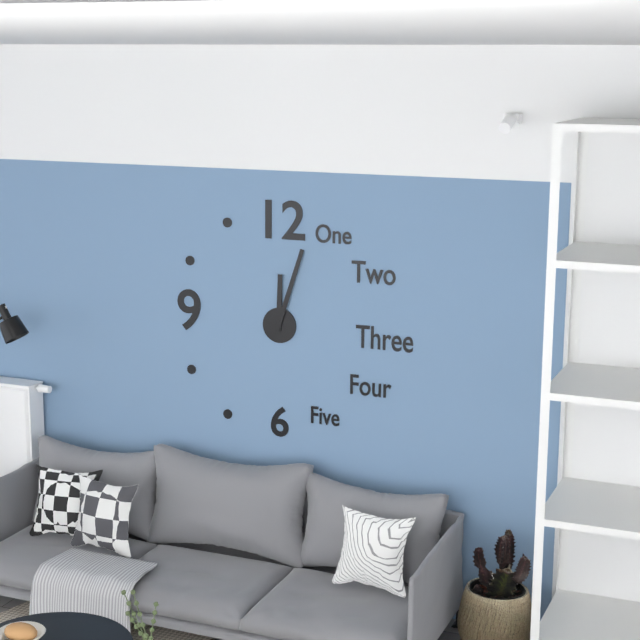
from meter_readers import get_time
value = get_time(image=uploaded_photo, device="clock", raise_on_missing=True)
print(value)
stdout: 12:03
